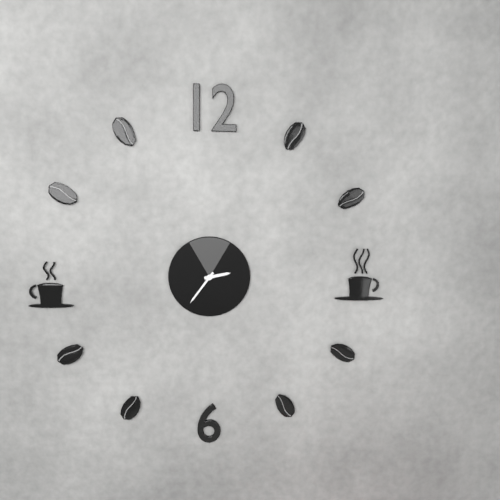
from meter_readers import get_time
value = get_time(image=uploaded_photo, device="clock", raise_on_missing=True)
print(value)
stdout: 2:36
